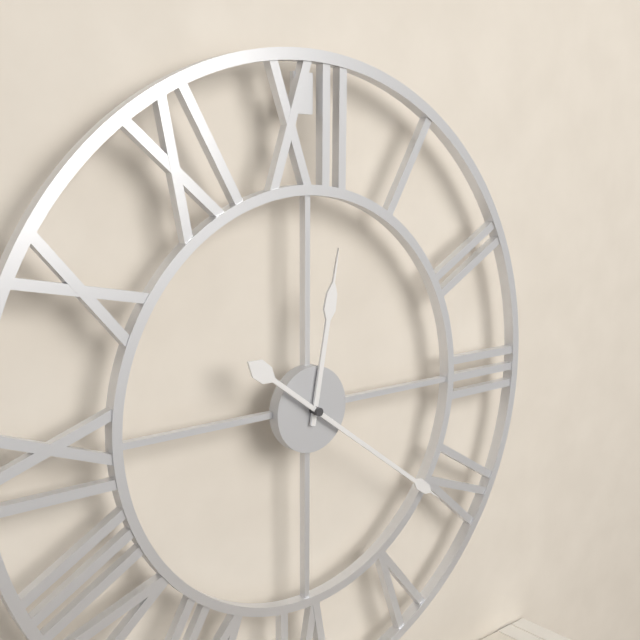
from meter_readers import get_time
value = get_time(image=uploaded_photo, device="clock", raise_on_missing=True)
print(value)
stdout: 12:21
